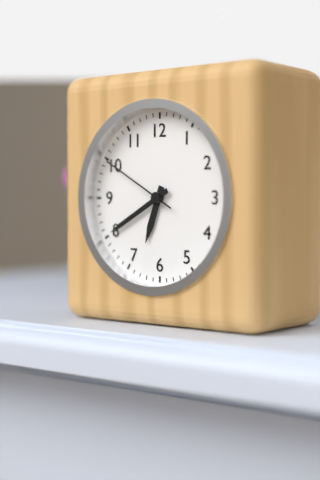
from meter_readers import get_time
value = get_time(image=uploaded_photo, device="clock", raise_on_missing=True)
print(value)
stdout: 6:40:50
